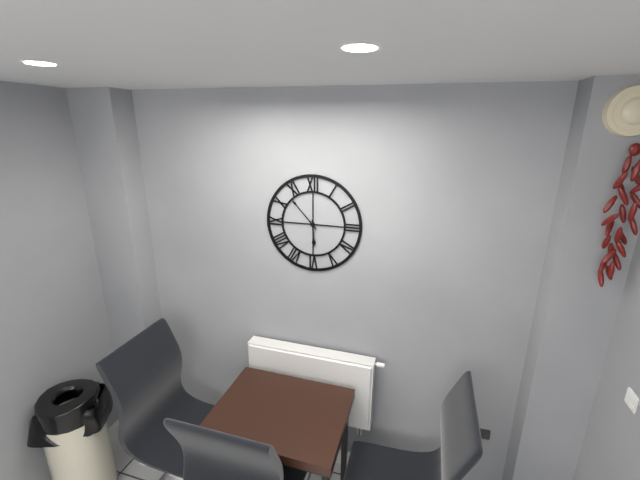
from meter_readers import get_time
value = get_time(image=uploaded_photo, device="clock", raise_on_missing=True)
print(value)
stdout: 5:53
